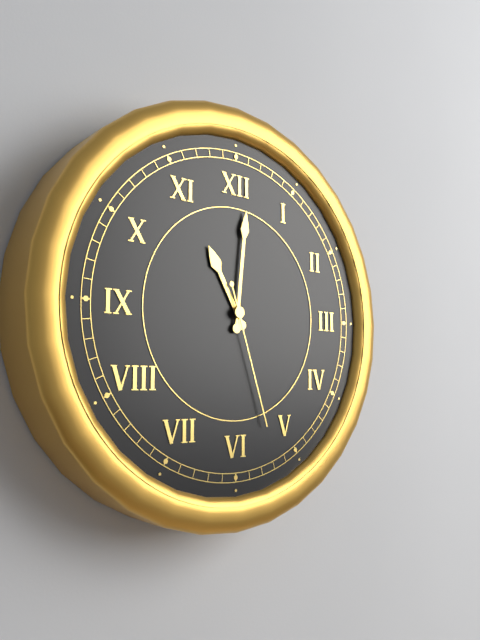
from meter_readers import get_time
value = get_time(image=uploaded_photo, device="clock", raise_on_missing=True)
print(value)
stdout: 11:01:27
